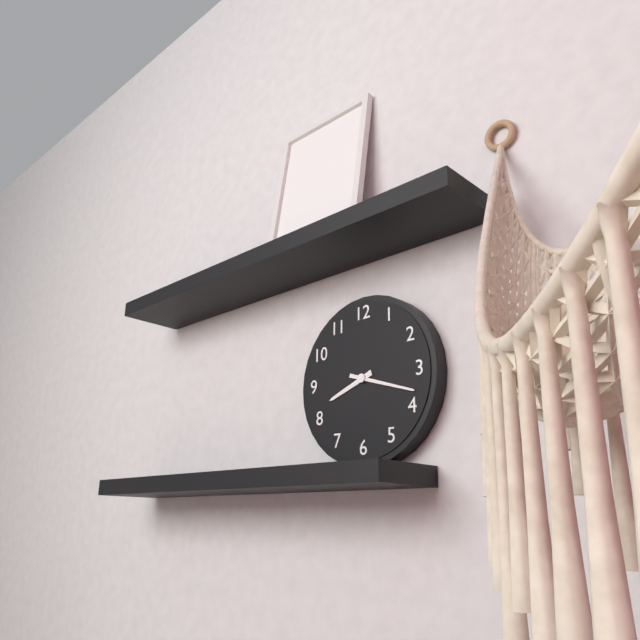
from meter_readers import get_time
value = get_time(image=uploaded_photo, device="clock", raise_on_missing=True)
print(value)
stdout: 8:18
